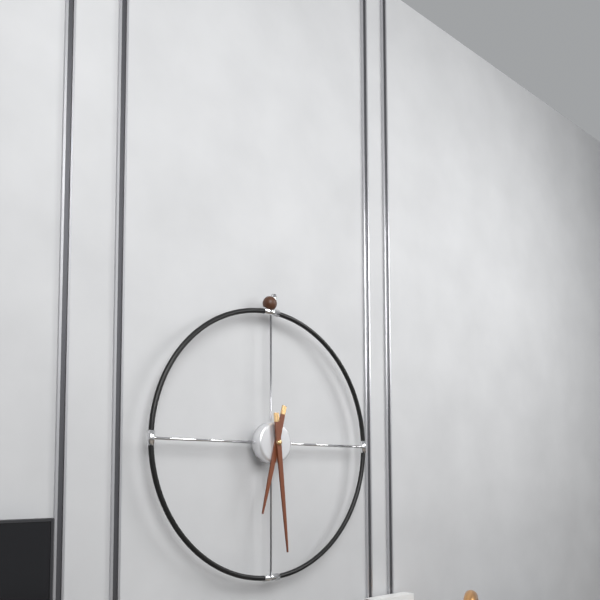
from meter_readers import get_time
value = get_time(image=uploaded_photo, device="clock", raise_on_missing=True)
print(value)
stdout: 6:29
